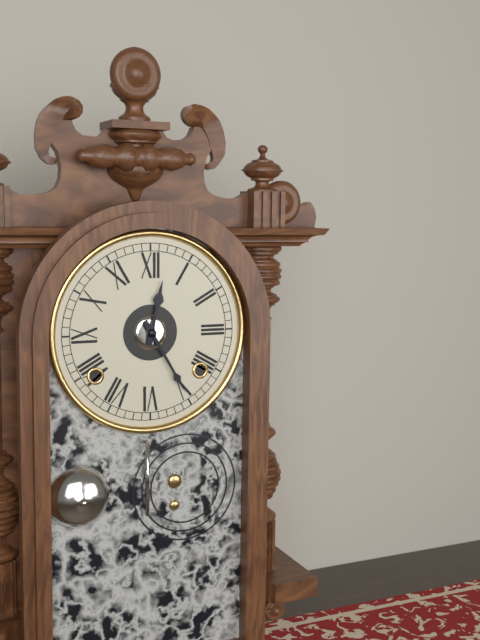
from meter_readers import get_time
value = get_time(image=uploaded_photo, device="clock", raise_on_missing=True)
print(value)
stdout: 12:25
